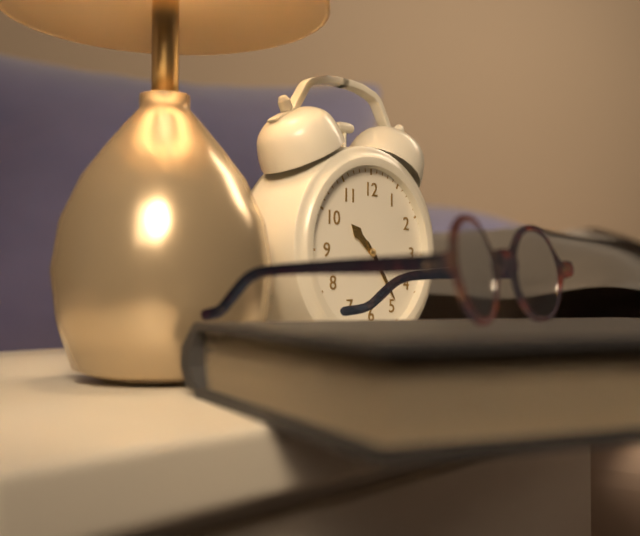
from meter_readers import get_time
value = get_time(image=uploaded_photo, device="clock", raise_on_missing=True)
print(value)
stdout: 10:24
